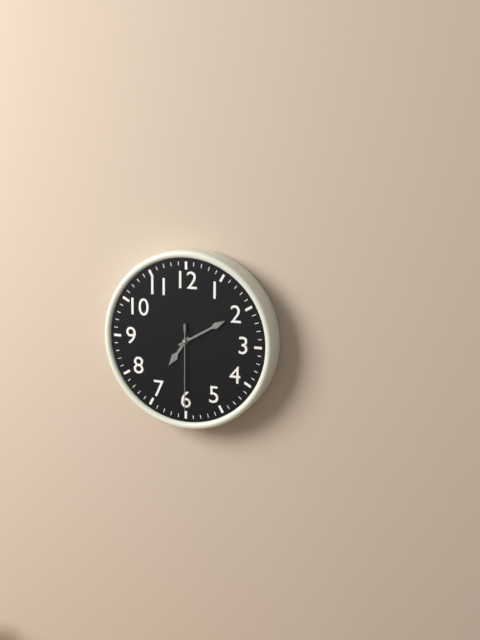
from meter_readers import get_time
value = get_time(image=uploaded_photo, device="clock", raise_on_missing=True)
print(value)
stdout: 7:10:30
